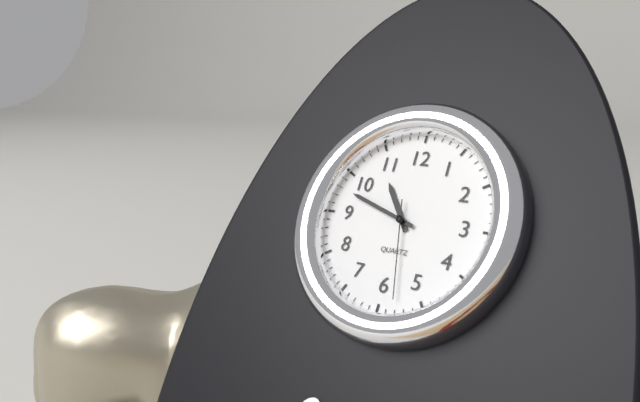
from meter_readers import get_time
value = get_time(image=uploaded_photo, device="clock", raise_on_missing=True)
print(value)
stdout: 10:48:28
